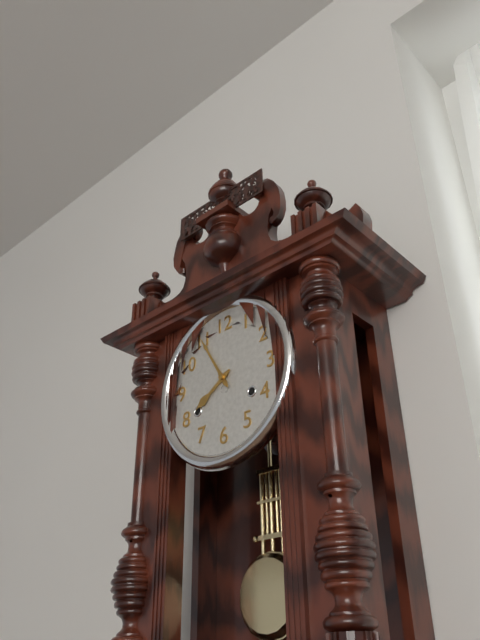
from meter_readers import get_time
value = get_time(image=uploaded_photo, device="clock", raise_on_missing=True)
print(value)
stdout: 7:55
